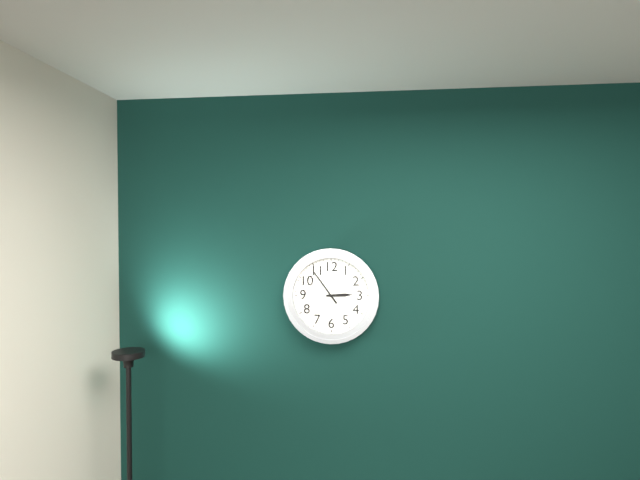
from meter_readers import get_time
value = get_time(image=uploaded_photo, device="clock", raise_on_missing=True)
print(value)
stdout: 2:54
